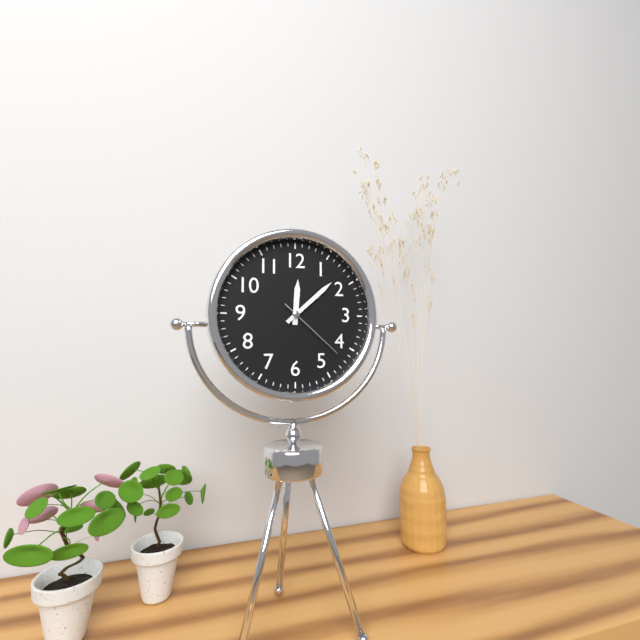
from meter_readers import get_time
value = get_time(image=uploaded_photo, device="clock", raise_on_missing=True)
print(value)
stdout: 12:08:22
